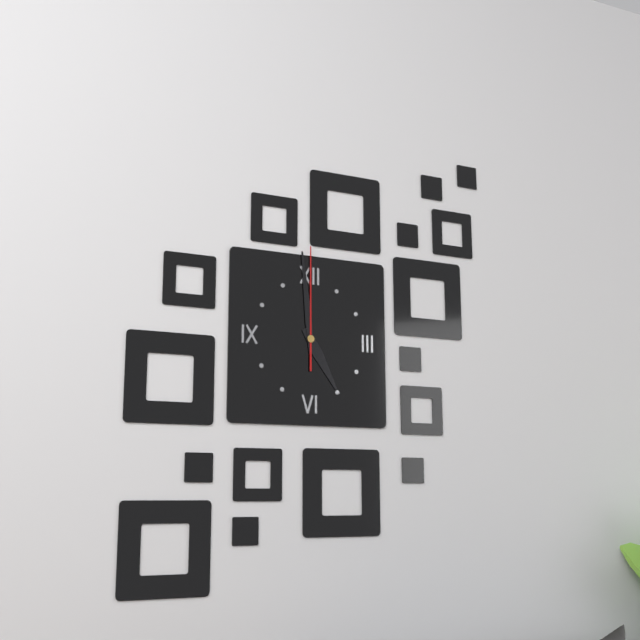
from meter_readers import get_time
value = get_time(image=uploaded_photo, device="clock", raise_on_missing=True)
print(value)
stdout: 4:59:00
